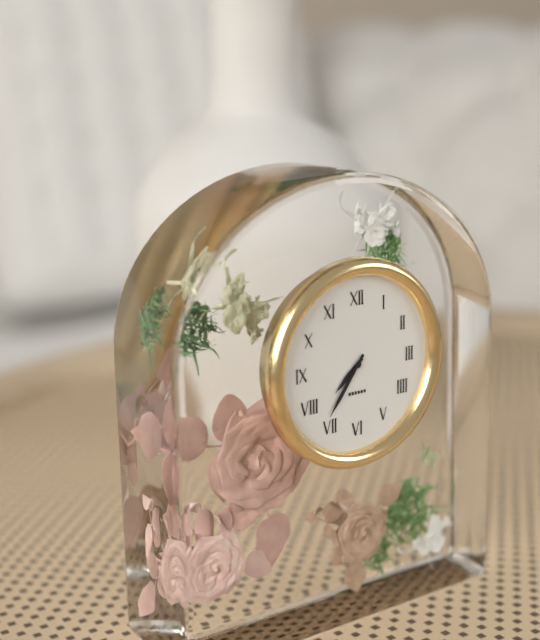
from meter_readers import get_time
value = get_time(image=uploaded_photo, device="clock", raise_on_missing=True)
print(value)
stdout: 7:36
